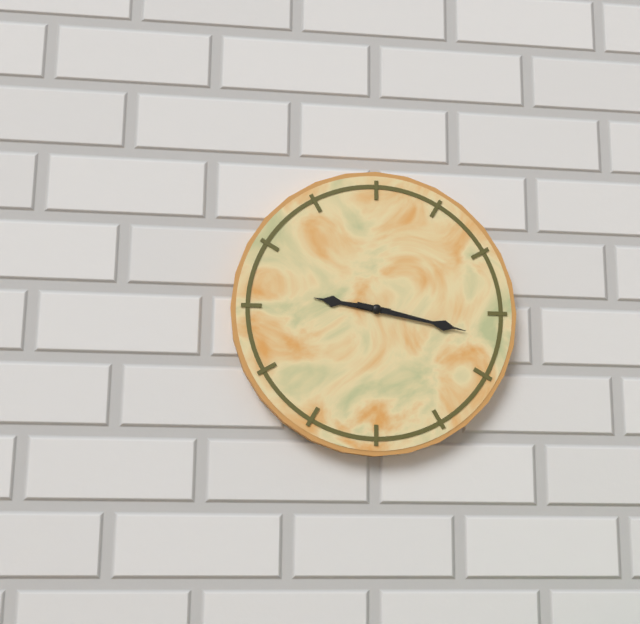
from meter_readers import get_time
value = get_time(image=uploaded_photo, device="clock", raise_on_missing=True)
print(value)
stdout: 9:17
